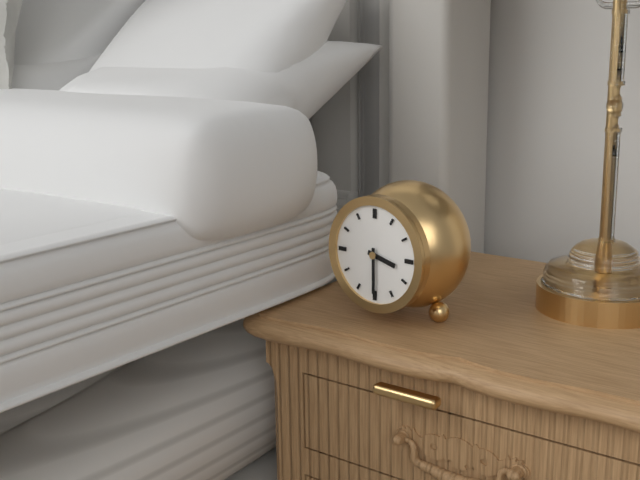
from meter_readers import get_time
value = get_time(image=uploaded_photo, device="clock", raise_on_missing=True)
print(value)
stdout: 3:30
